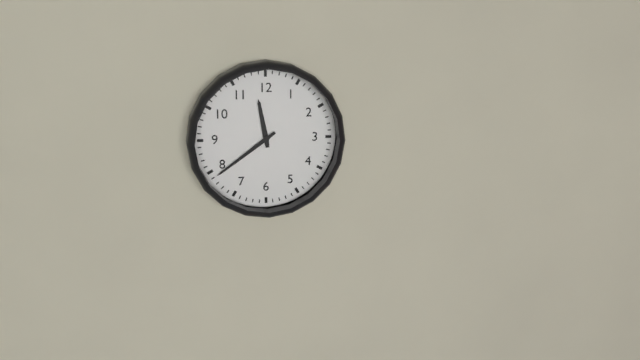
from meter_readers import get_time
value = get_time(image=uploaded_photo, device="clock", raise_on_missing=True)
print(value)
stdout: 11:39
